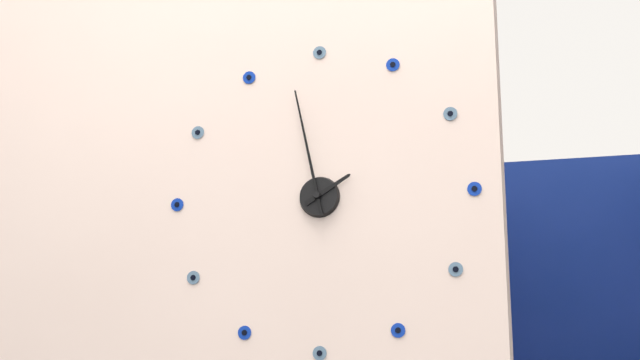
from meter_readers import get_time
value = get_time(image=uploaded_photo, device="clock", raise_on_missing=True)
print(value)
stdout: 1:58
